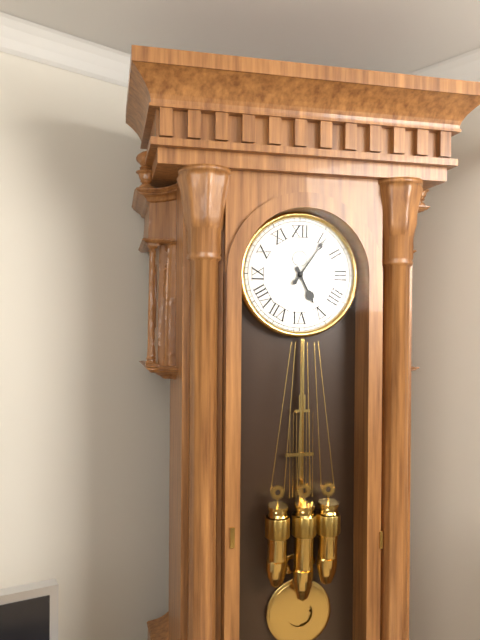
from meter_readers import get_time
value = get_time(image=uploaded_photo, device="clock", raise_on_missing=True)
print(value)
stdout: 5:06
